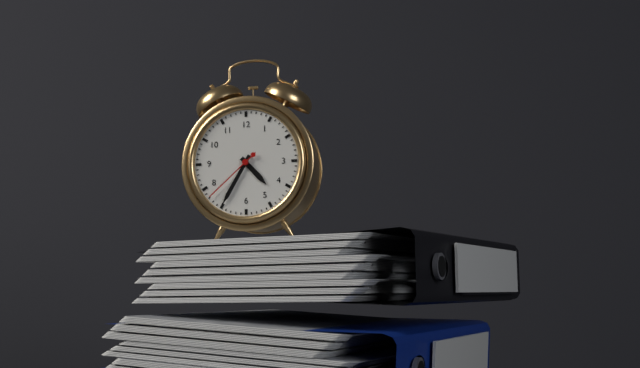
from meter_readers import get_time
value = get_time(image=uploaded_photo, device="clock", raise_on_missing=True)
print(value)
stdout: 4:35:38
